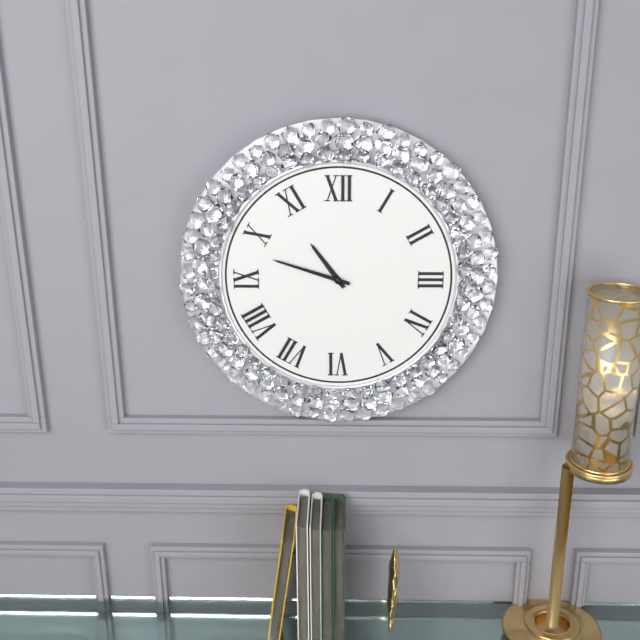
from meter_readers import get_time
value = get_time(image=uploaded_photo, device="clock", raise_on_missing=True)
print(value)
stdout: 10:48
